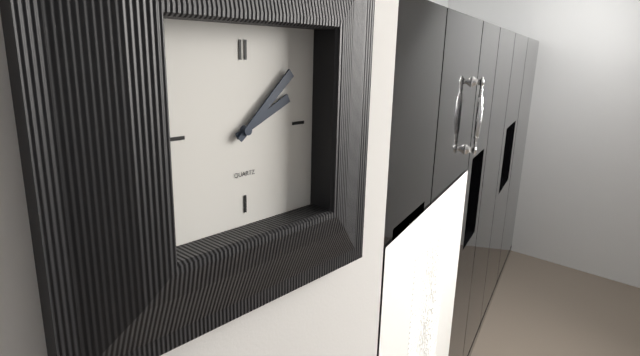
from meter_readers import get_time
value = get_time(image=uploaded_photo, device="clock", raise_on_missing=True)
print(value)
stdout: 2:08
